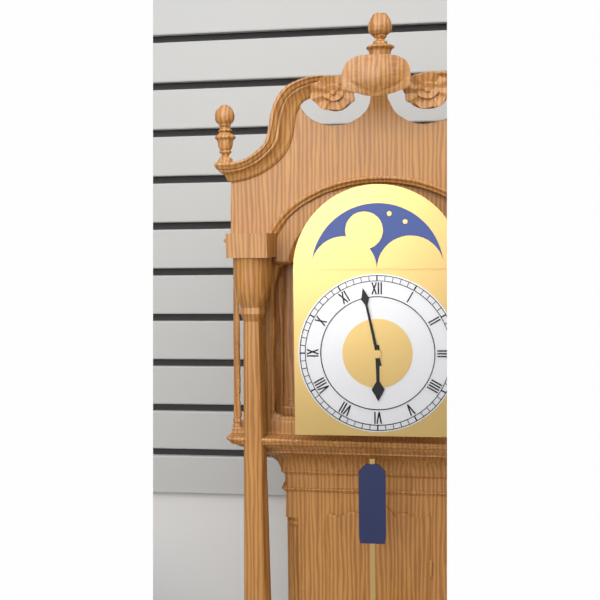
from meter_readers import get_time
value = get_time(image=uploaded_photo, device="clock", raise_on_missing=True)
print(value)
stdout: 5:58
